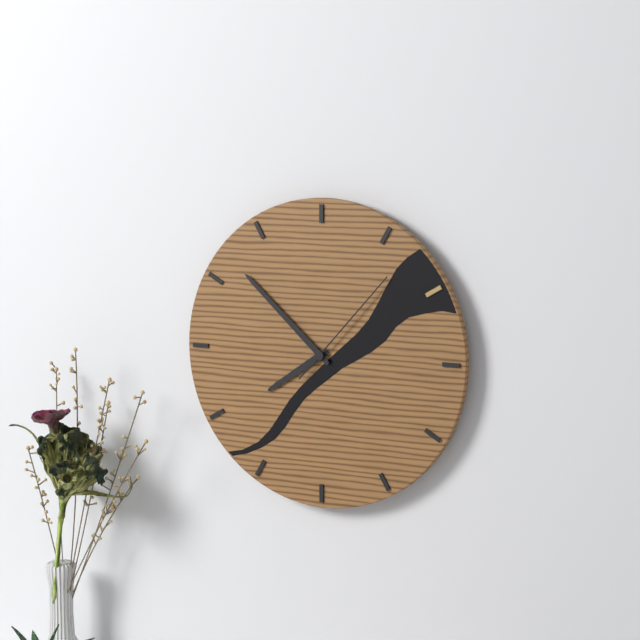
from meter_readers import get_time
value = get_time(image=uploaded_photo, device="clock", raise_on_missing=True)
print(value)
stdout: 7:52:07
